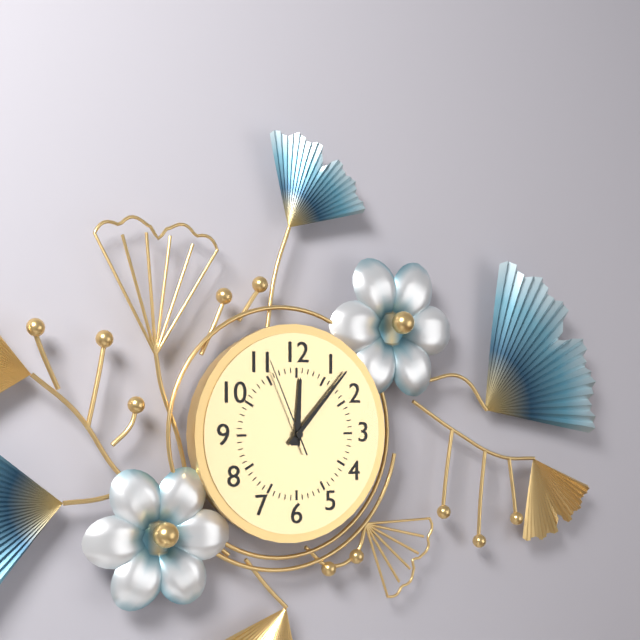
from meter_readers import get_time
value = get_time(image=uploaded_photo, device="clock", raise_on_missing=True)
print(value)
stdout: 12:07:56
